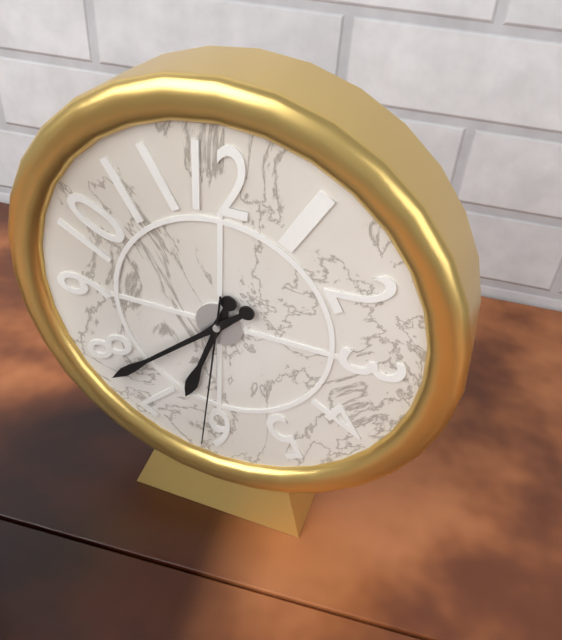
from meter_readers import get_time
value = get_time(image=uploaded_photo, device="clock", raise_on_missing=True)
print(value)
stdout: 6:38:31
